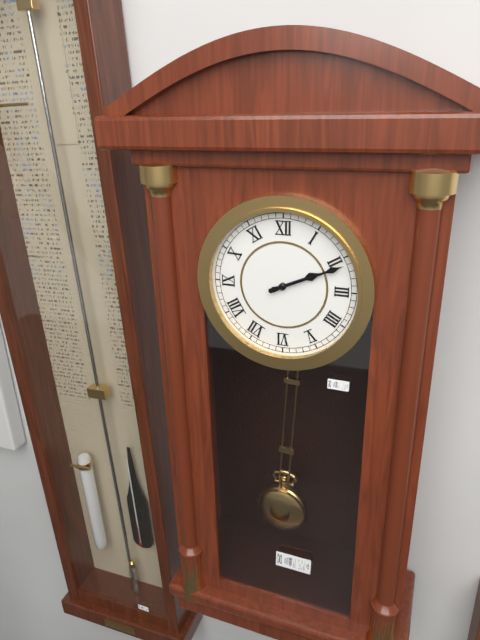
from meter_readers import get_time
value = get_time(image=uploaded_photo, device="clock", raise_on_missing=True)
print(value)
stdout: 2:11
